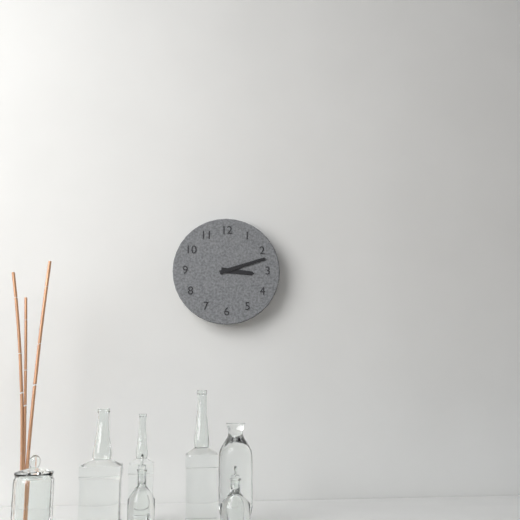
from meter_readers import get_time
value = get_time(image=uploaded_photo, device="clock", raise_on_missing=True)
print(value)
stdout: 3:12
